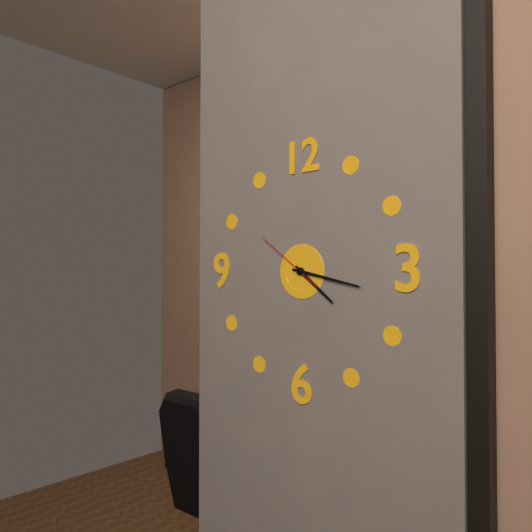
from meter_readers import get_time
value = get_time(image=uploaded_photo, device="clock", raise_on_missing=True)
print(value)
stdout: 4:17:51
